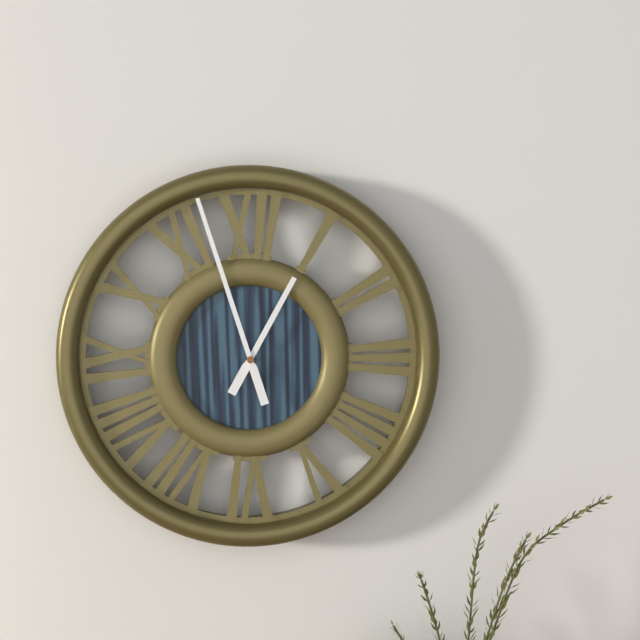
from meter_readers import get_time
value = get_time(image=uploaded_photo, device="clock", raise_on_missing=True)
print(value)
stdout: 12:57
